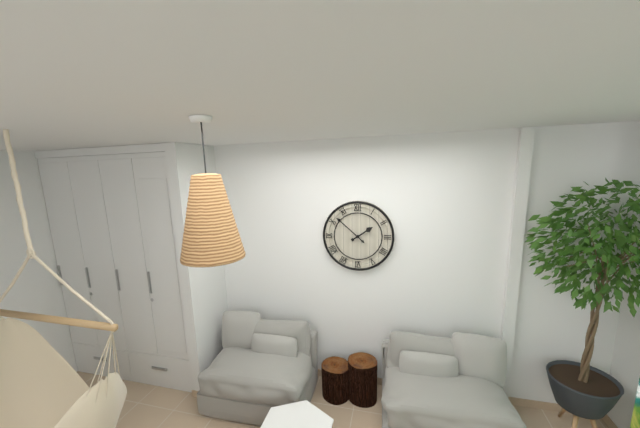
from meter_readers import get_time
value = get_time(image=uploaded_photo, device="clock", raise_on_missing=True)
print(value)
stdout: 1:52
